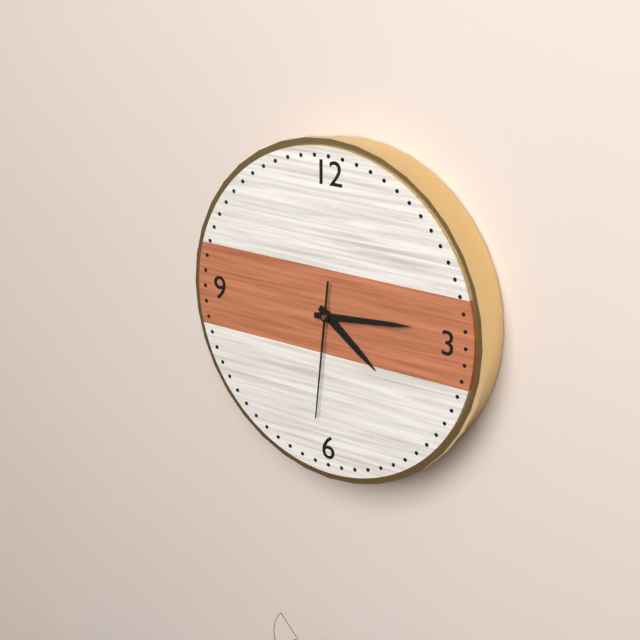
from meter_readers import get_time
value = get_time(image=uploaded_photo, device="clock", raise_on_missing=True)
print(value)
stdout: 4:14:31
